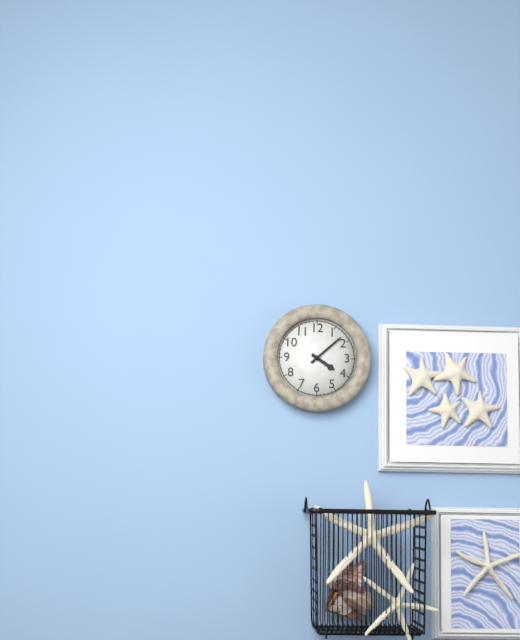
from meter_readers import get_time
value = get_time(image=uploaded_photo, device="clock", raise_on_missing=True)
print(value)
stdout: 4:08
